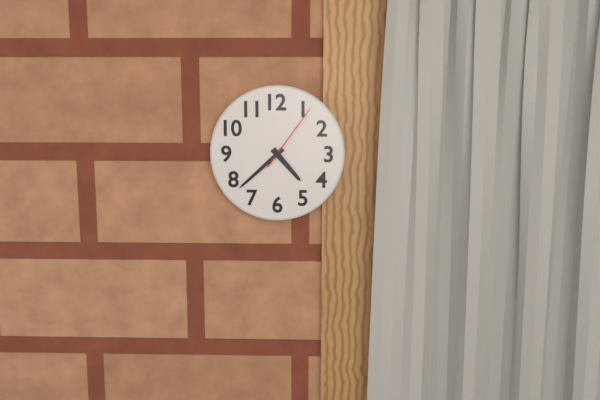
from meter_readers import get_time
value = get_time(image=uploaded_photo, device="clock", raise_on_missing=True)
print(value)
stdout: 4:38:06
